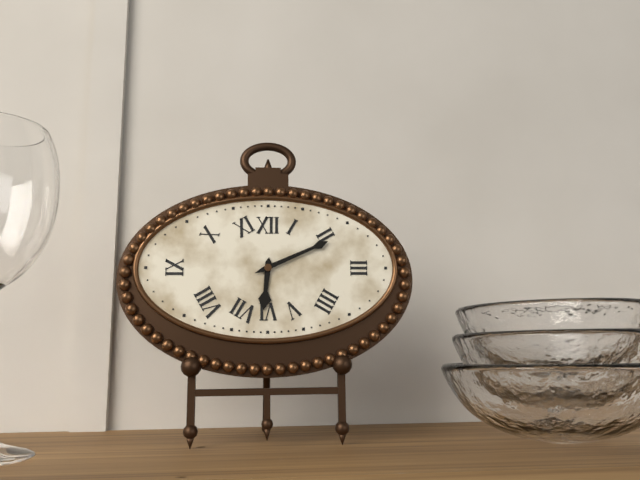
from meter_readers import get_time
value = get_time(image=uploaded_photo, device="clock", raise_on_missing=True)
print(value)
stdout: 6:11
